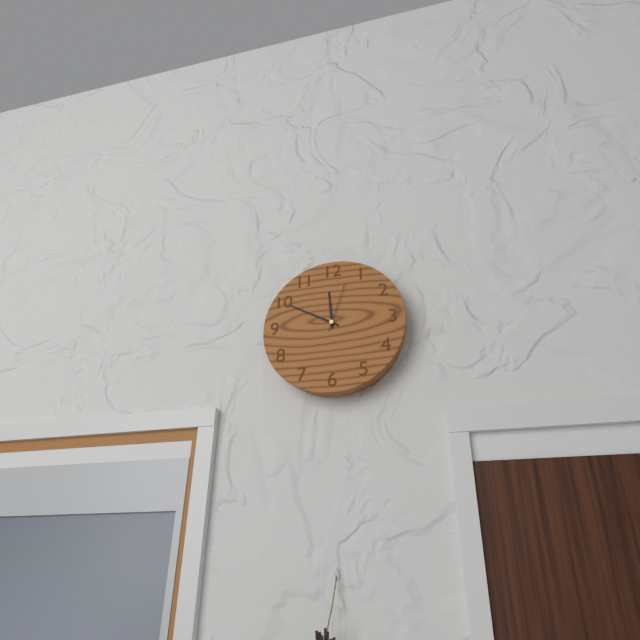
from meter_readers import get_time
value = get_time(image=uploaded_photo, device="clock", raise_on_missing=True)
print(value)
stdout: 11:50:03
